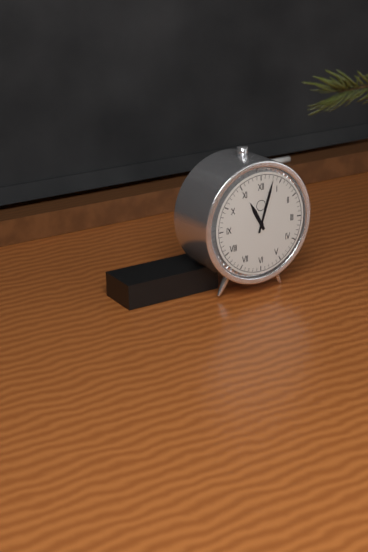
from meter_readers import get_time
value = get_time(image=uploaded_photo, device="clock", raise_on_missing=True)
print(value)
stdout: 11:03
